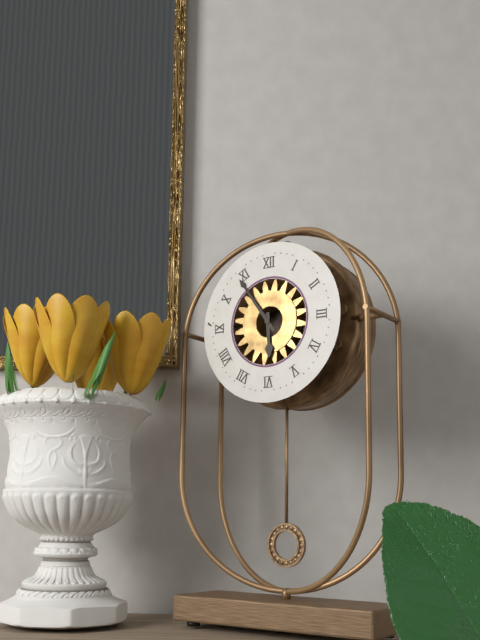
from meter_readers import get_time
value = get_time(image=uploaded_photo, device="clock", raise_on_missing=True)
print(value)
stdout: 5:54
